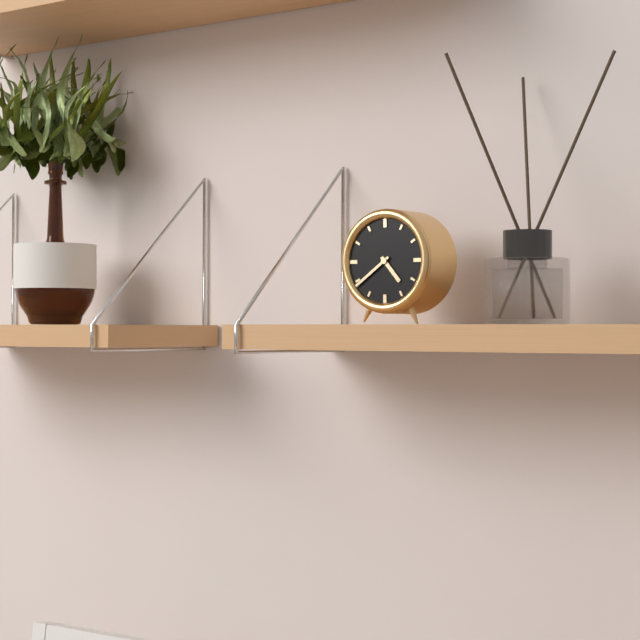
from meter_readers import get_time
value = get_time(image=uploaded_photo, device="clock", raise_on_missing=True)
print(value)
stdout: 4:39
